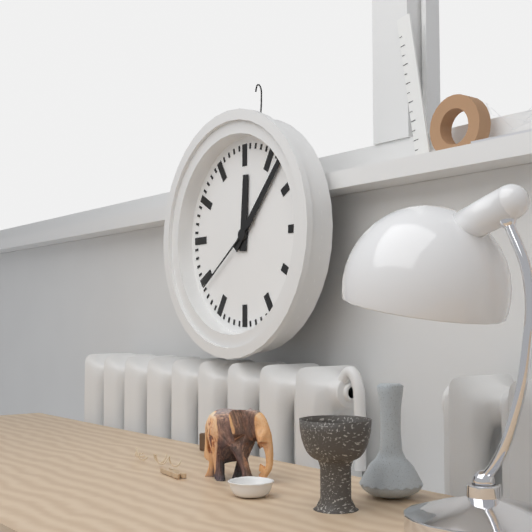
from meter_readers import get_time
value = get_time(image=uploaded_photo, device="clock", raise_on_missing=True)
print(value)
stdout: 12:07:39
